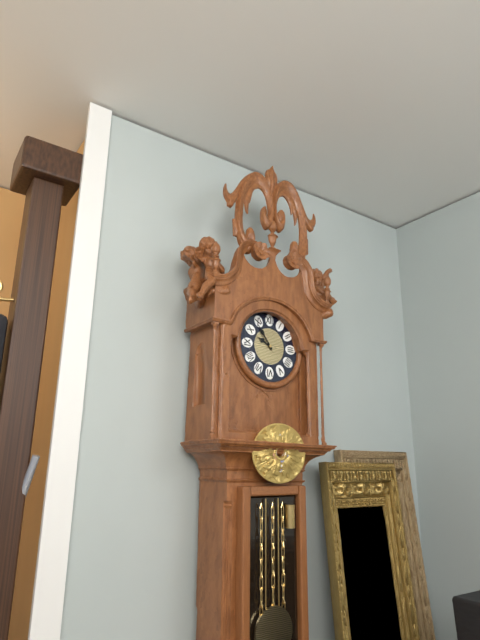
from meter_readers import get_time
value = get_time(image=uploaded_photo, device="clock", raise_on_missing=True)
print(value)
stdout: 9:54
